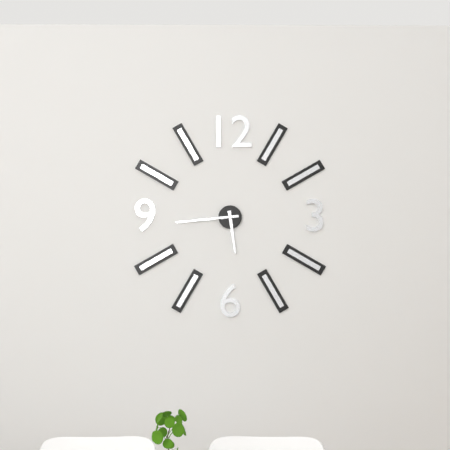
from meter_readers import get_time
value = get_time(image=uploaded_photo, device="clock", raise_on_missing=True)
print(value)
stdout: 5:44
